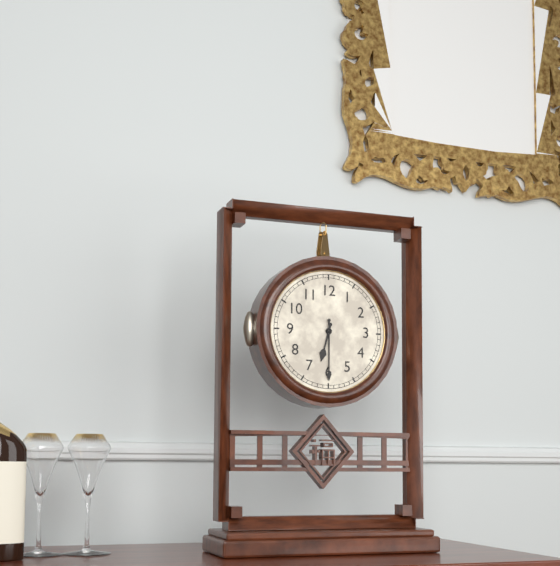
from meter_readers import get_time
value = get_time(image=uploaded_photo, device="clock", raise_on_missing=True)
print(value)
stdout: 6:30
